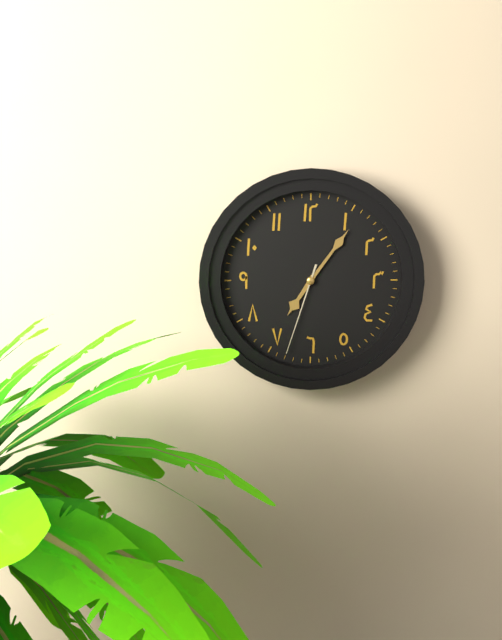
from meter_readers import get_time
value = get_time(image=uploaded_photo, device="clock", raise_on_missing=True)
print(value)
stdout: 7:06:33
